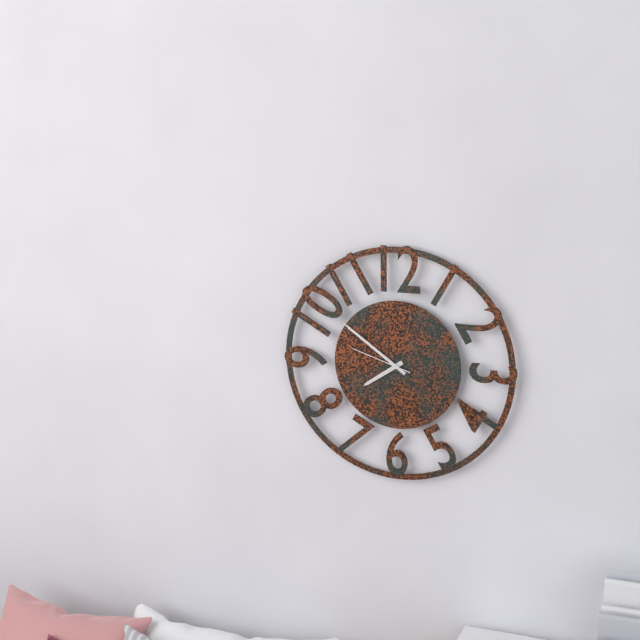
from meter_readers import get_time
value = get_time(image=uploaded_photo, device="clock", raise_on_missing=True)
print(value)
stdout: 7:51:48
